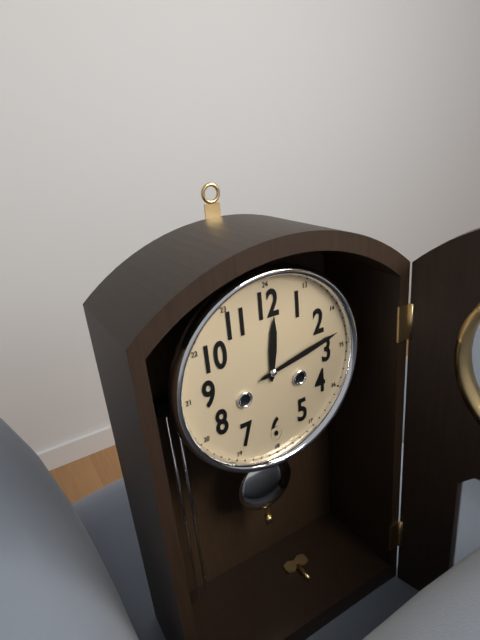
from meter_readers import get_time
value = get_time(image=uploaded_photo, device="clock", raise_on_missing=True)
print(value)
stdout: 12:13
